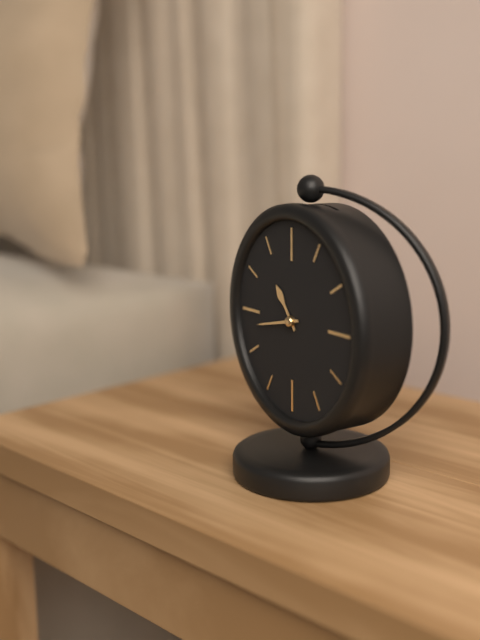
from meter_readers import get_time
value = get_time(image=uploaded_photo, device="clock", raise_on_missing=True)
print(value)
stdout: 10:43
